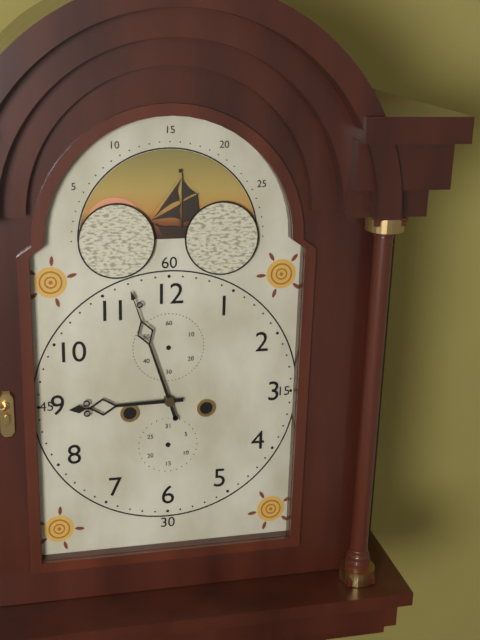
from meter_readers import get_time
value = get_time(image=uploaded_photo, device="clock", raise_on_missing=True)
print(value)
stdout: 8:57
